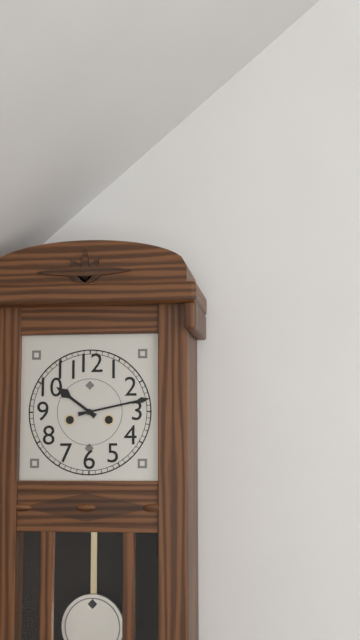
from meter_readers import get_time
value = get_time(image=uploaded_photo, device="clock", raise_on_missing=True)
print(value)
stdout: 10:13
